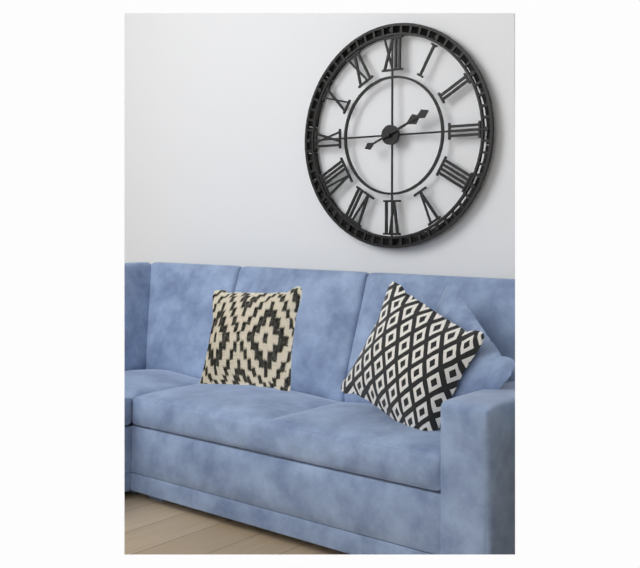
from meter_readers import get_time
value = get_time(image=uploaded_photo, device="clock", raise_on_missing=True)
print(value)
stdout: 2:11
